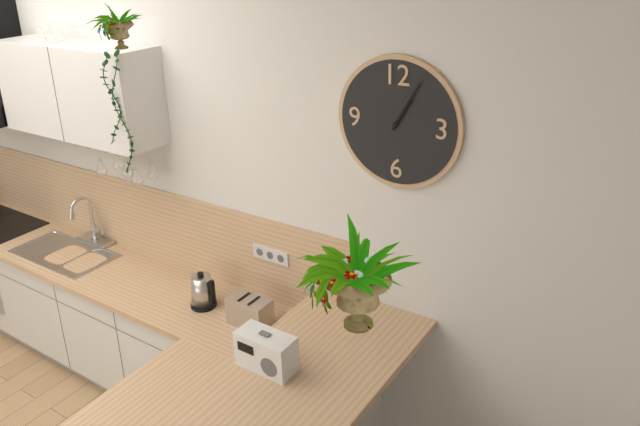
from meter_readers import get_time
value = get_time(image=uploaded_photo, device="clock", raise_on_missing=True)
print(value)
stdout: 1:05
